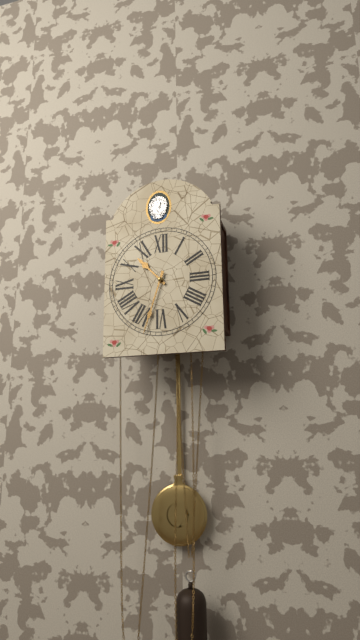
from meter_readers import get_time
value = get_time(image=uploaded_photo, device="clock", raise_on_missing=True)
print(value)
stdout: 10:33
